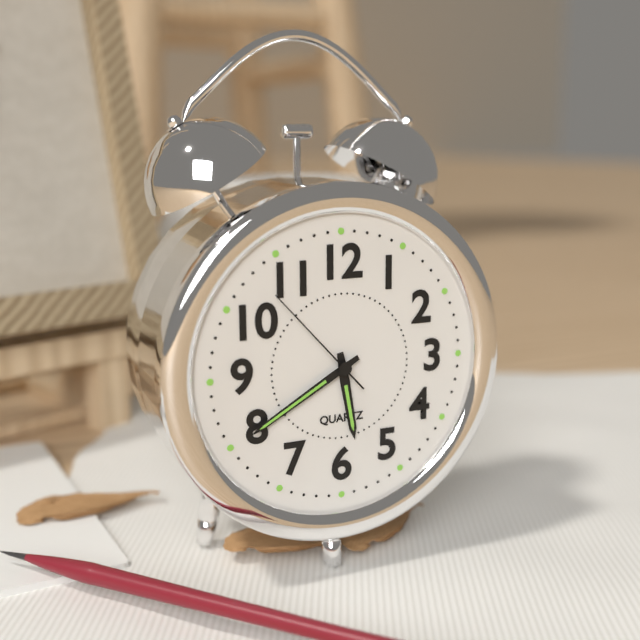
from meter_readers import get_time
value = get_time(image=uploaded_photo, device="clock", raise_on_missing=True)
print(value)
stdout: 5:40:53
